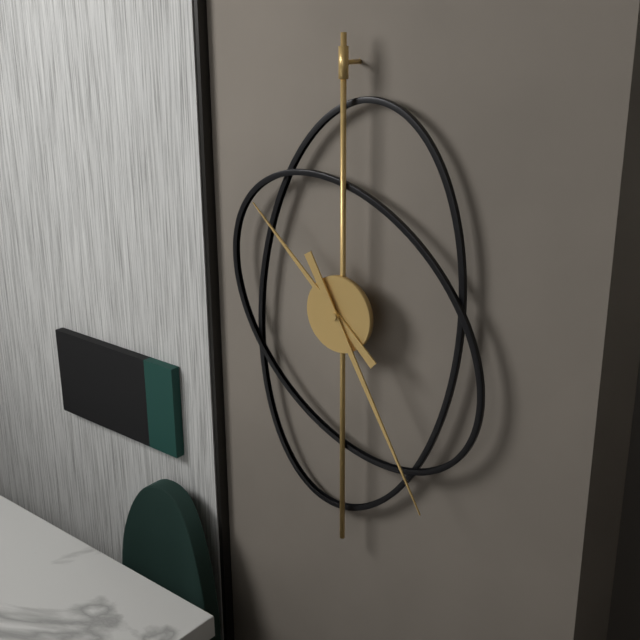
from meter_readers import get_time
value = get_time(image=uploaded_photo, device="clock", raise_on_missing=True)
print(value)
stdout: 10:25
